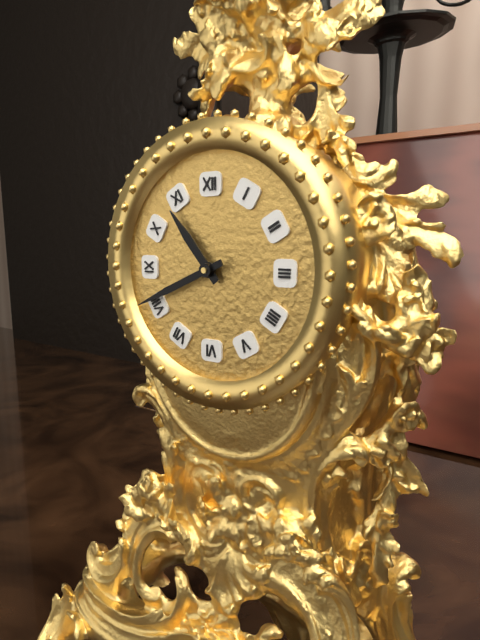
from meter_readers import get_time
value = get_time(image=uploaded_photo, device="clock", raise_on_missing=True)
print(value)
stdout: 10:41
